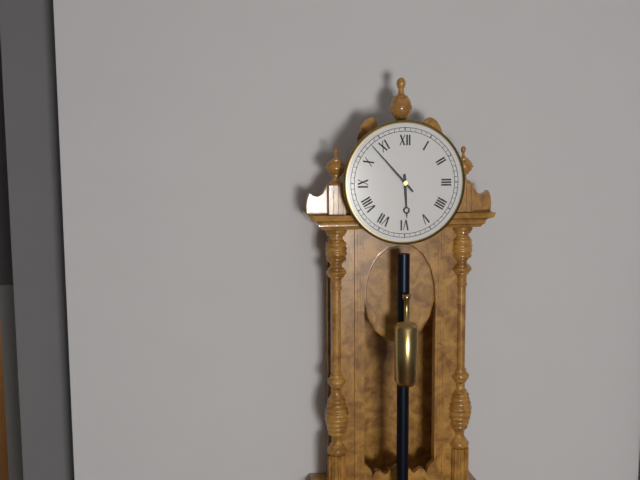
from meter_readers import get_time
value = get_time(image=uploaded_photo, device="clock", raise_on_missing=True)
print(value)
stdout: 5:53
